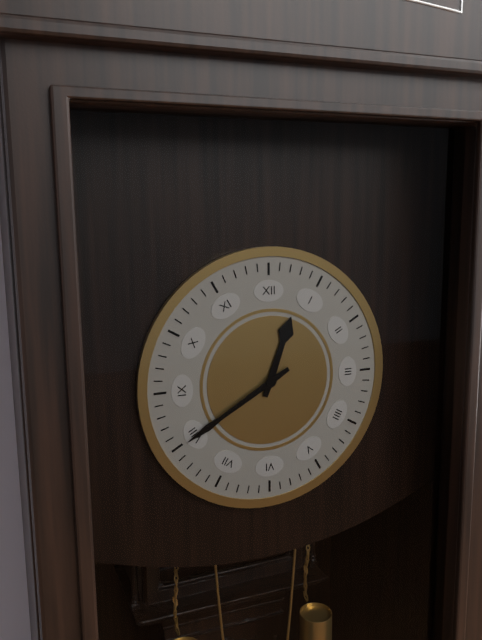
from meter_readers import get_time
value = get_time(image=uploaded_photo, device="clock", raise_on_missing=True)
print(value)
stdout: 12:40
